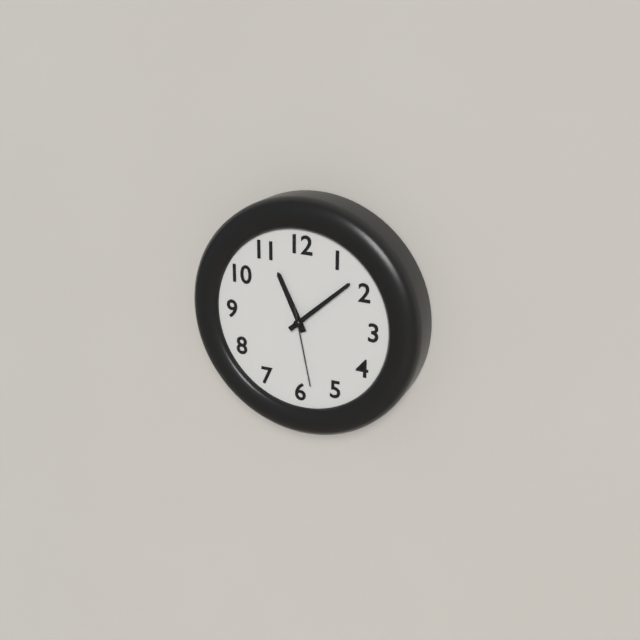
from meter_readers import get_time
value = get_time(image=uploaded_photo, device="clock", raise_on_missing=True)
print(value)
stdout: 11:08:28
